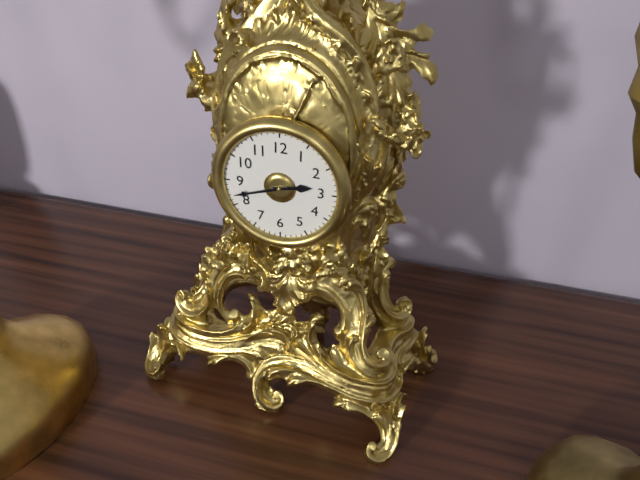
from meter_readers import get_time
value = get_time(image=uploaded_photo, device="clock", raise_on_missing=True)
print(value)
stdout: 2:42
